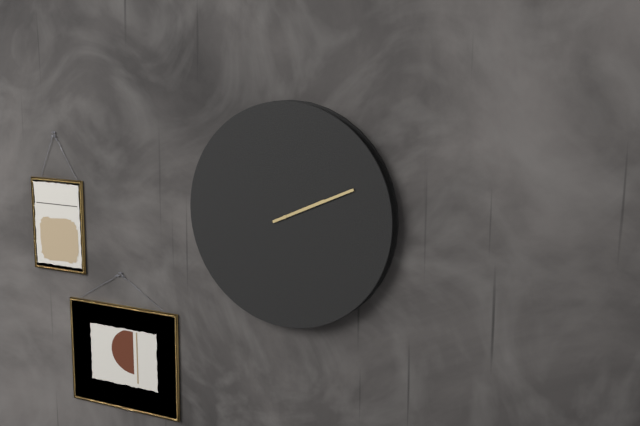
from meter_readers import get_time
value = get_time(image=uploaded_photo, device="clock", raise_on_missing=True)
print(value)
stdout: 2:11
